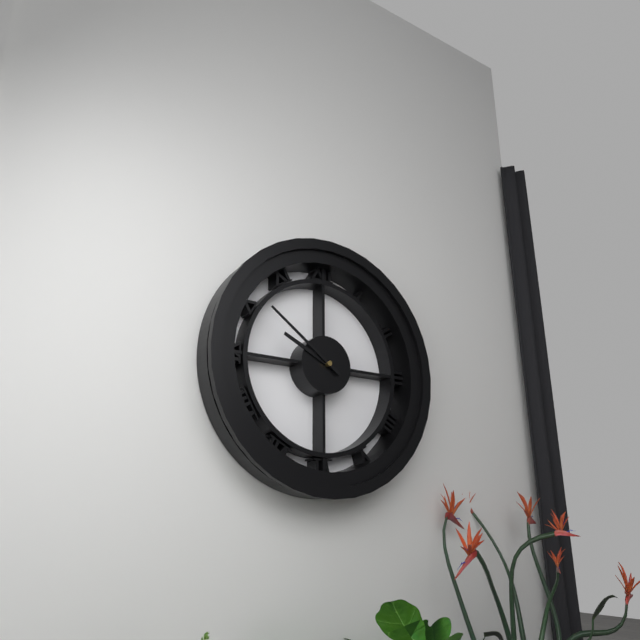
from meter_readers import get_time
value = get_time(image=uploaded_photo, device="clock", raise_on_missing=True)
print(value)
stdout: 9:51
